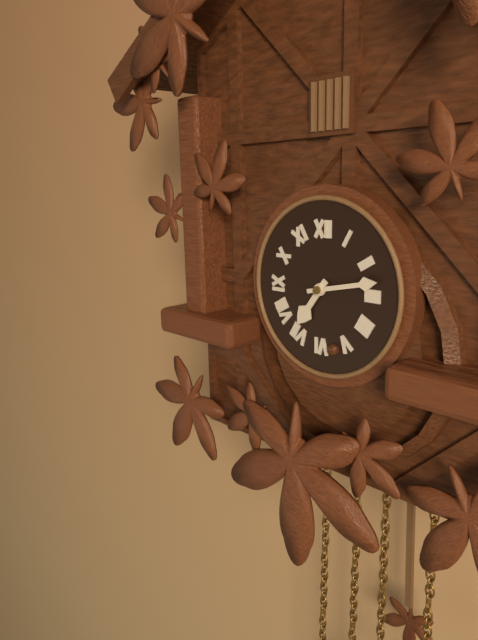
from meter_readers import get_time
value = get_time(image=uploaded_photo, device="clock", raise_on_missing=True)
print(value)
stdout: 7:13
